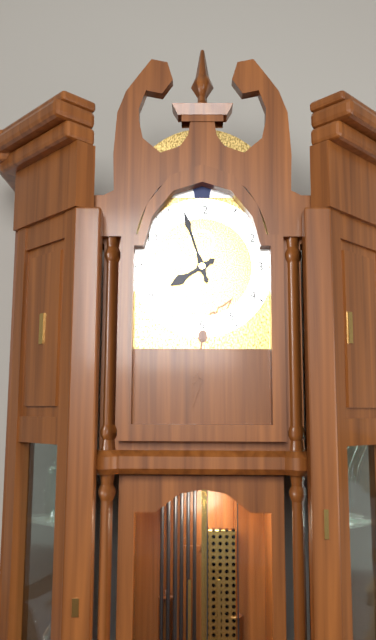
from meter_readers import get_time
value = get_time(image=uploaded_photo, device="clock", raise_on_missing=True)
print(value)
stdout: 7:57
